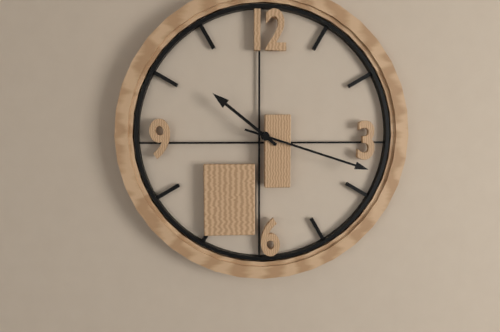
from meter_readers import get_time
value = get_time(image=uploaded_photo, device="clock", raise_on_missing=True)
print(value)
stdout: 10:18
